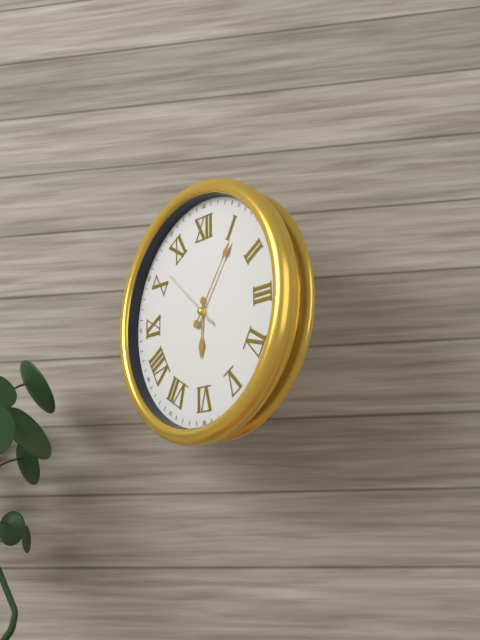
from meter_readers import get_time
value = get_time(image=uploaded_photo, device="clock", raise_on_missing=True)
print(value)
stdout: 6:06:52
